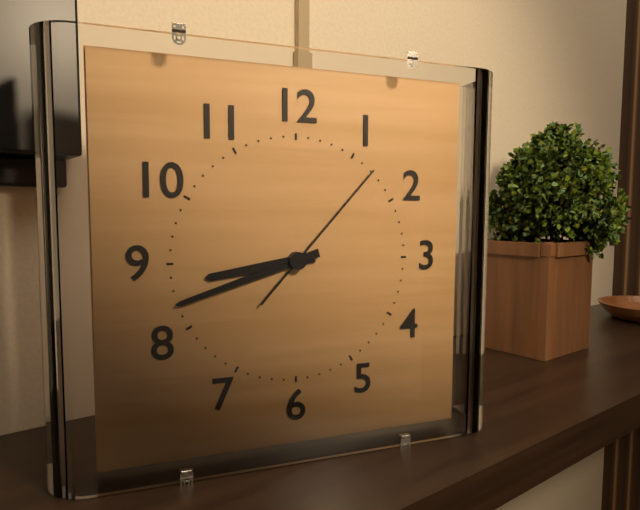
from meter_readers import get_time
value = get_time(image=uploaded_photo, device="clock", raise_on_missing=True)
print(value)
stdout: 8:42:07
